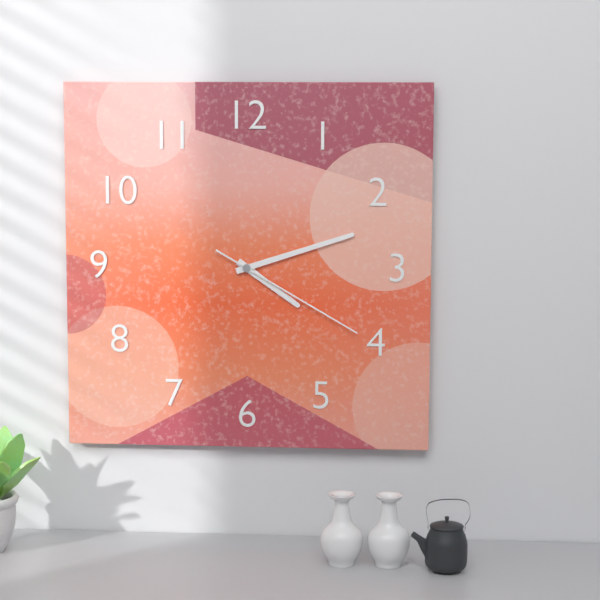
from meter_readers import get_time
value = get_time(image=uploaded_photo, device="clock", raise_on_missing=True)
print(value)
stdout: 4:12:20
